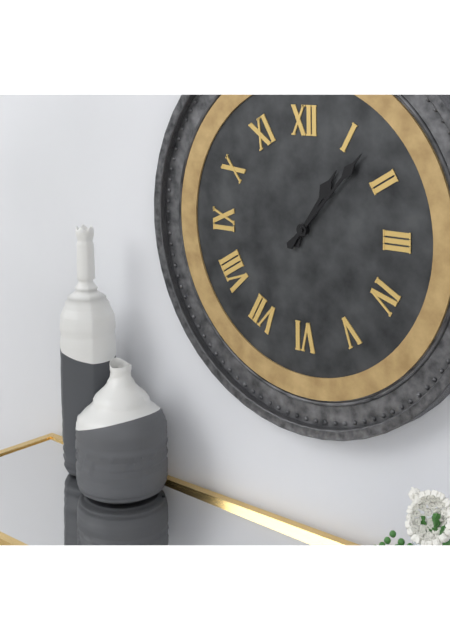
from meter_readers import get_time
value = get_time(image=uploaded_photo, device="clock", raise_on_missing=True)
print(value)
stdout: 1:07
